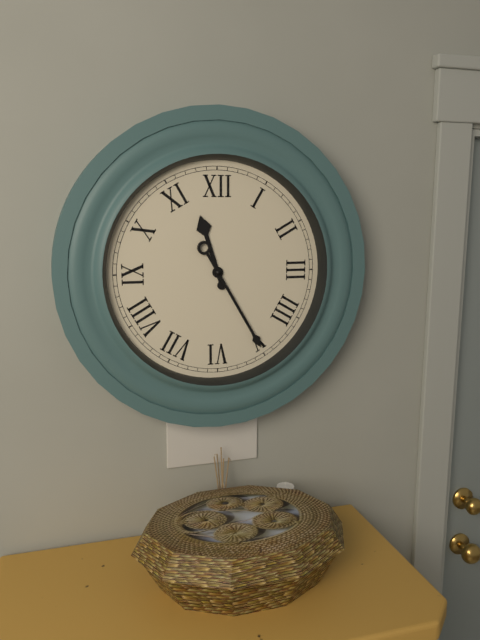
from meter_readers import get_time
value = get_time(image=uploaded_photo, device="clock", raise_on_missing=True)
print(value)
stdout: 11:25
